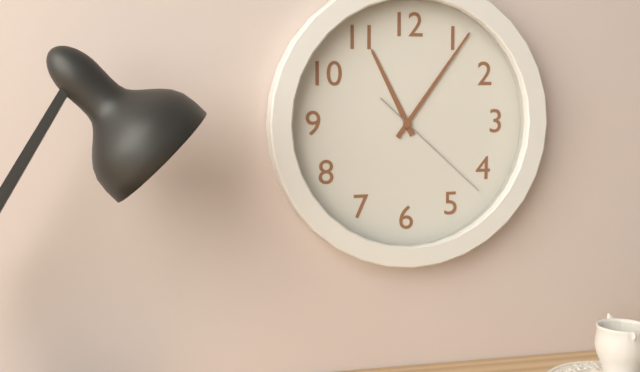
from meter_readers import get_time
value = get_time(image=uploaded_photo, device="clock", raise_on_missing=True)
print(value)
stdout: 11:06:22
